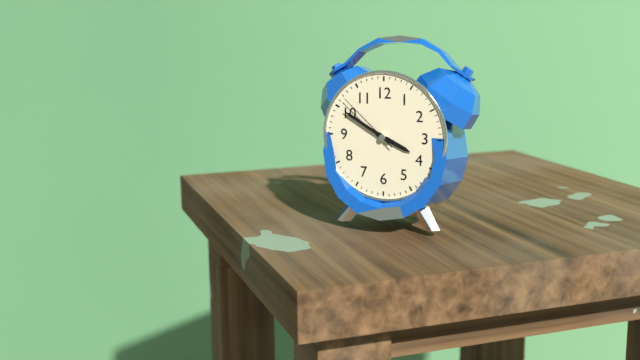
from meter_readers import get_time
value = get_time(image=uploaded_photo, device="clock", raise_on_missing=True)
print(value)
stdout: 3:50:52
